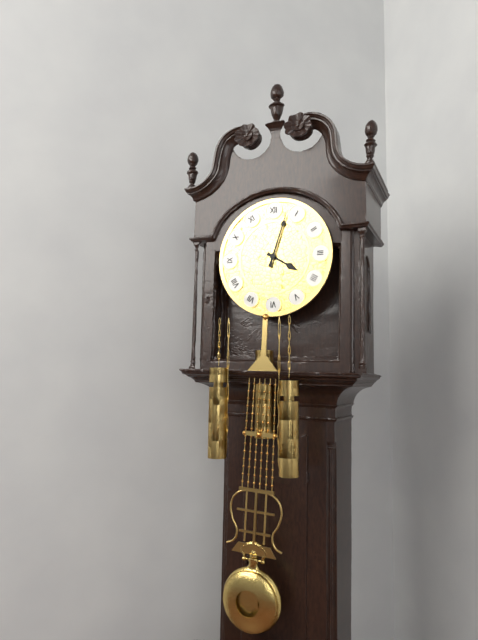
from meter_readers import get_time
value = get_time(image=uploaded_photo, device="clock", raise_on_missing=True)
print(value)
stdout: 4:03
